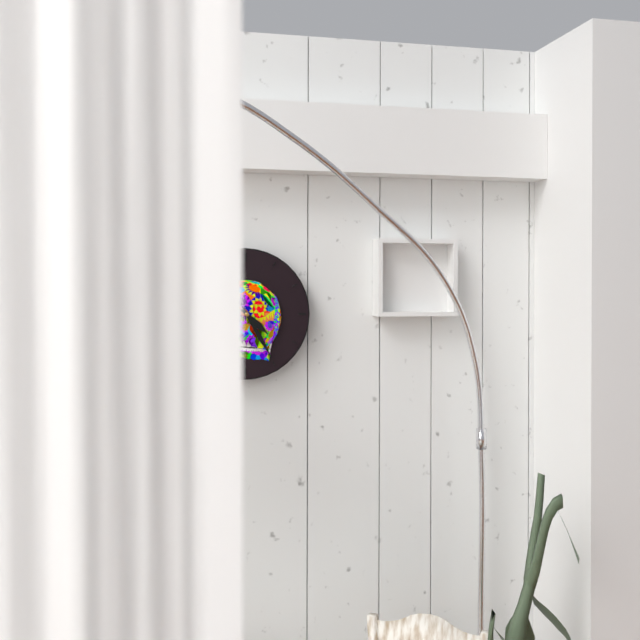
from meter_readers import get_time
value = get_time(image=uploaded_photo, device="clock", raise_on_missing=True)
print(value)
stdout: 4:25
